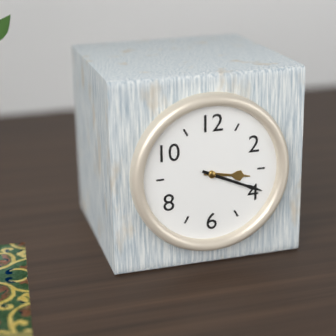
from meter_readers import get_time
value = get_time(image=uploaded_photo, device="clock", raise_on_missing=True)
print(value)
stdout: 3:19
